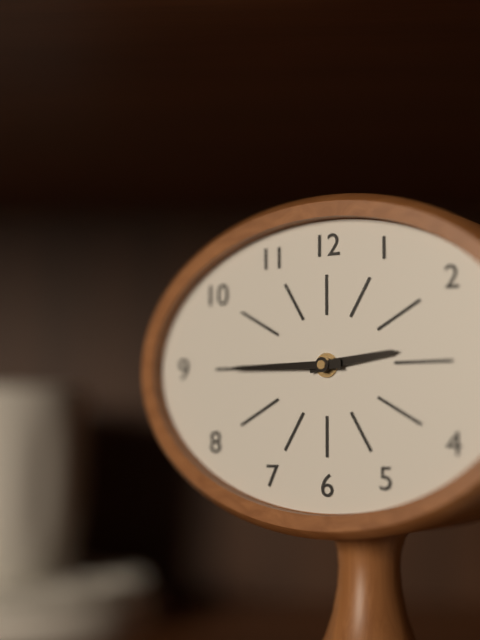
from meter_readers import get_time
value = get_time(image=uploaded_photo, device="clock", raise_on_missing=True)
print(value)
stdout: 2:45
